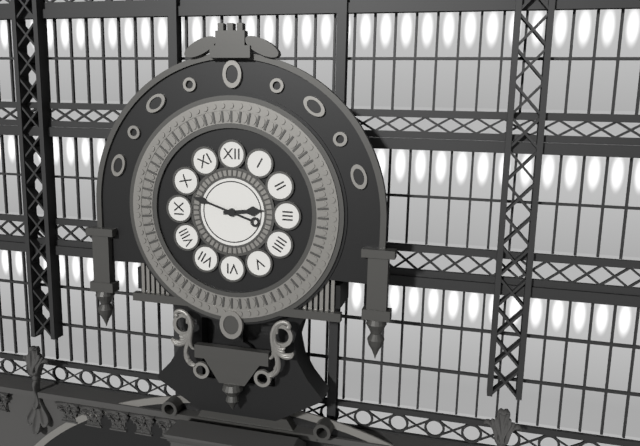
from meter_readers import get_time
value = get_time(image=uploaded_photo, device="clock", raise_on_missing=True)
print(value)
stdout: 2:48
